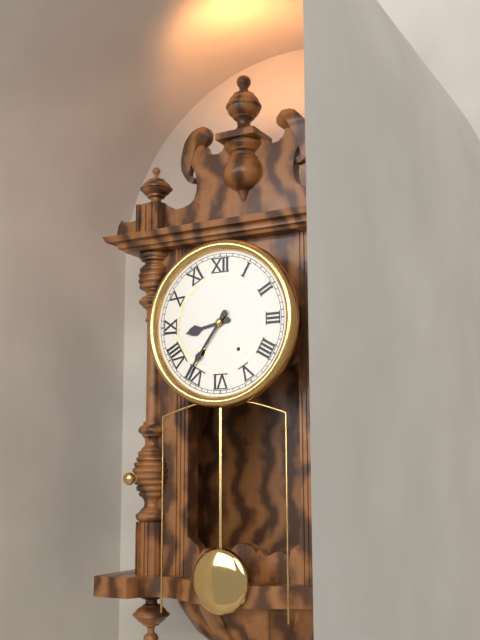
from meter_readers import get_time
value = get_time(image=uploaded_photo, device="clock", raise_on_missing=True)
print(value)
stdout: 8:36
